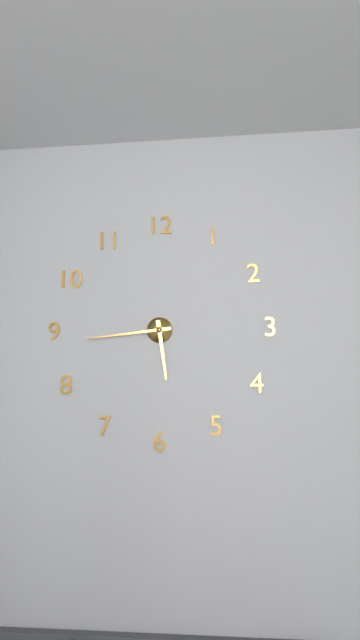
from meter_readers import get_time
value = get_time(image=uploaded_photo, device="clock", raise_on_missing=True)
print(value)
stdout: 5:44
